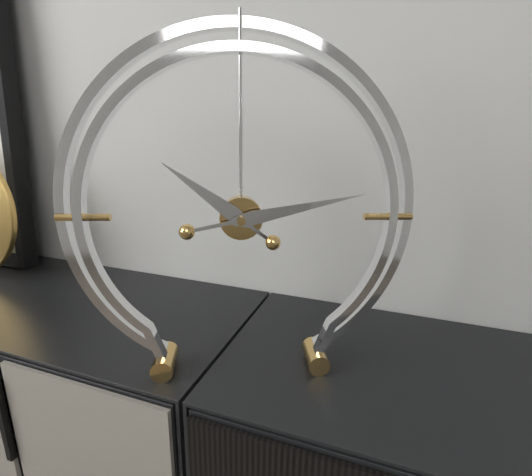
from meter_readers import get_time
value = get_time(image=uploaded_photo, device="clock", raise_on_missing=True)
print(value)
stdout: 10:13
